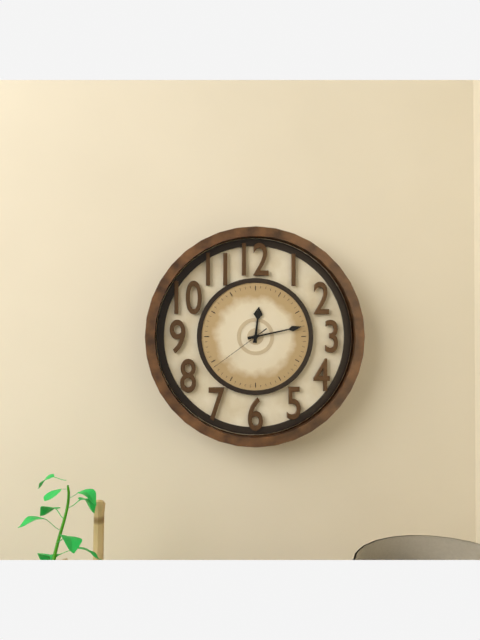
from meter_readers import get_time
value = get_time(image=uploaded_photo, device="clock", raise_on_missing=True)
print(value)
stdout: 12:13:39
